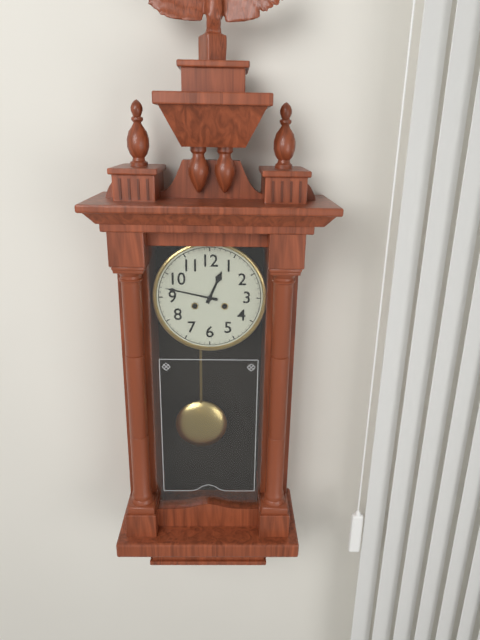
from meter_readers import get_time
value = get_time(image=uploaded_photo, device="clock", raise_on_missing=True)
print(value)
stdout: 12:47
